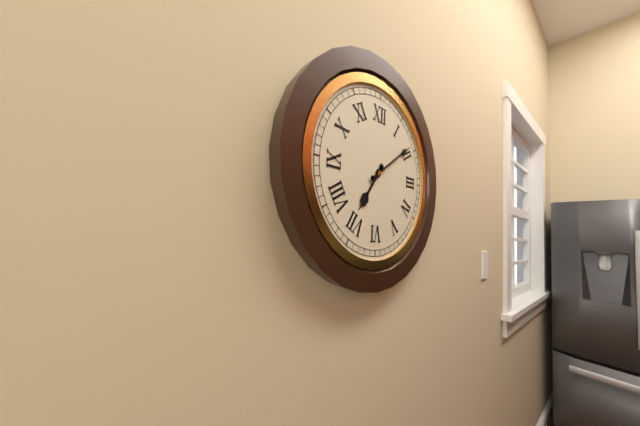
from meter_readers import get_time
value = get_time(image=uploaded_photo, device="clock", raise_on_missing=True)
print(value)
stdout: 7:09
